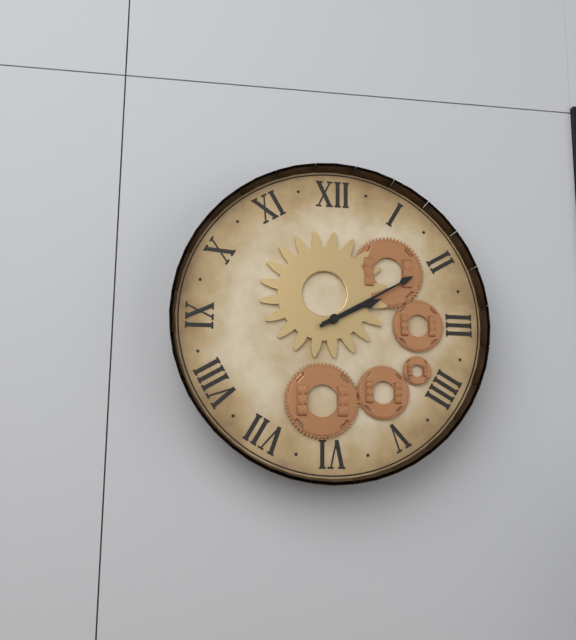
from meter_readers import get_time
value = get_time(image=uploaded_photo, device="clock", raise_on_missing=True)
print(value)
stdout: 2:10
